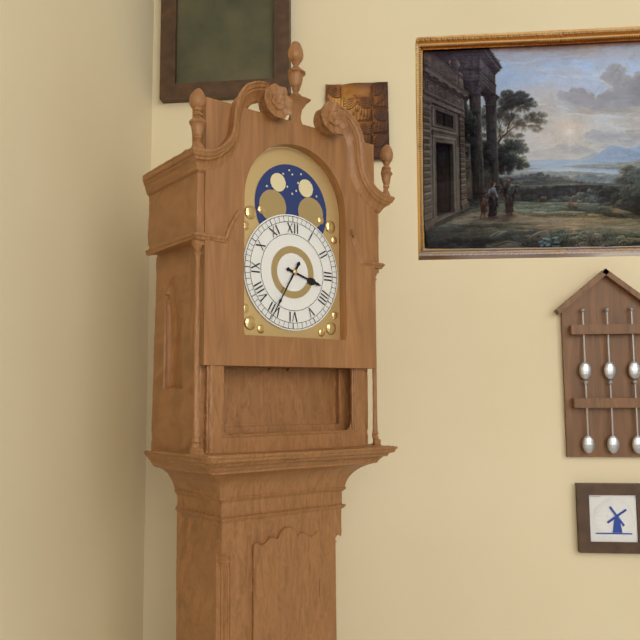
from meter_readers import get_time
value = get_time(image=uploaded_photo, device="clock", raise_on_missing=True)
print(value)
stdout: 3:35
